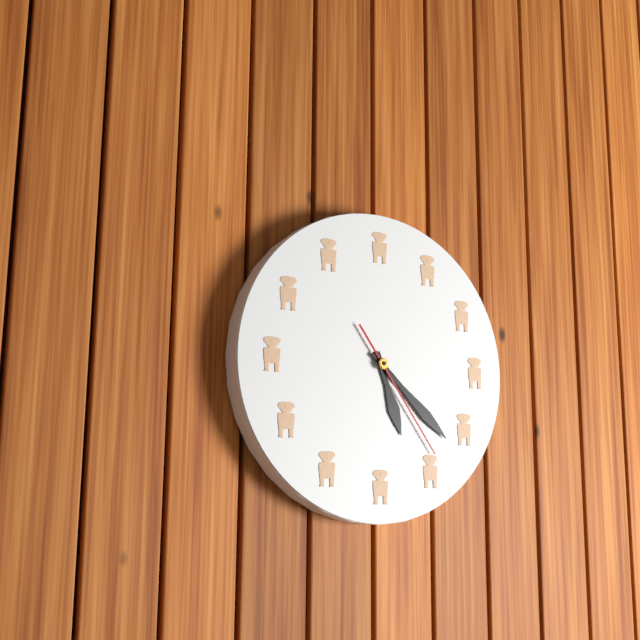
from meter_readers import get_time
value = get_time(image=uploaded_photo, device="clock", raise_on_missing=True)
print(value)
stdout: 5:22:24
